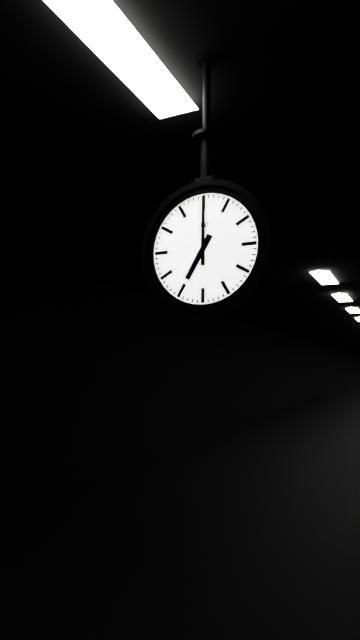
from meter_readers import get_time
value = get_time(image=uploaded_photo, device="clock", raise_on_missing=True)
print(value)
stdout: 7:00
